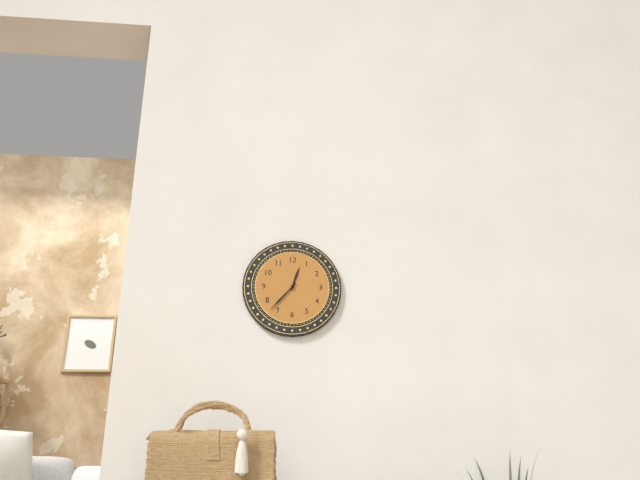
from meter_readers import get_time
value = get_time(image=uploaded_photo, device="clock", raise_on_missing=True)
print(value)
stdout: 12:37
